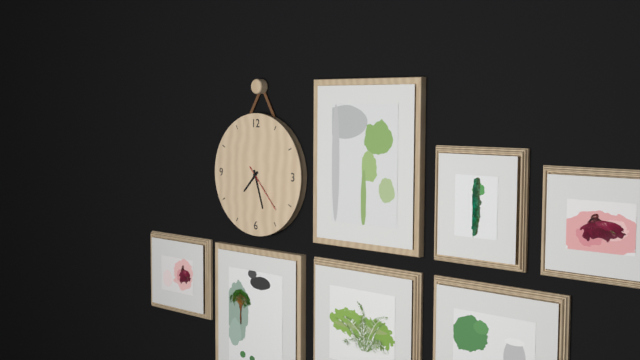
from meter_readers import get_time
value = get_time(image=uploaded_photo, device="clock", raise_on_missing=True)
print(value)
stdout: 7:27:23
